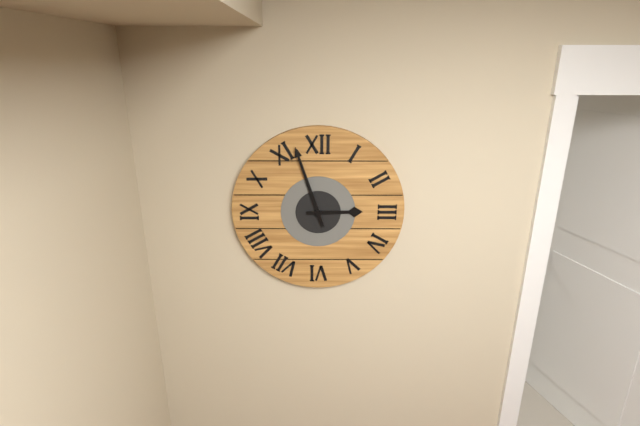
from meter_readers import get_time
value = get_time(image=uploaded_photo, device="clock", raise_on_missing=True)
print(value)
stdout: 2:57
